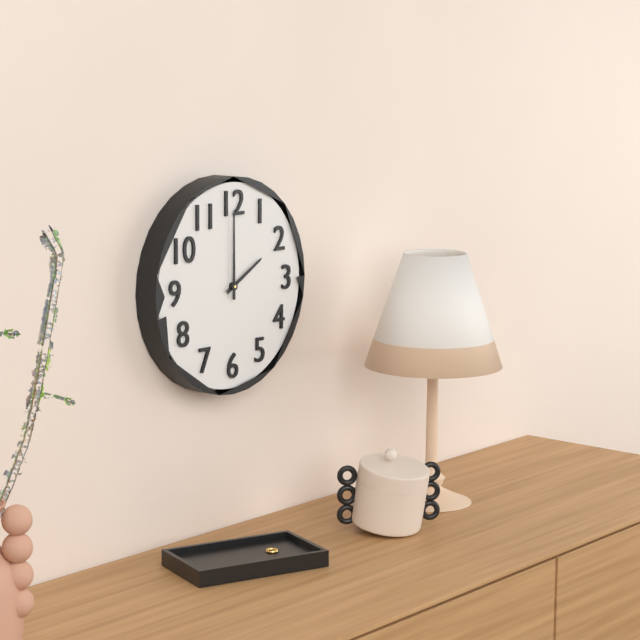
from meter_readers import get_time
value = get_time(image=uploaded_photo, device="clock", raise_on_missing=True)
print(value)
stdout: 2:00
